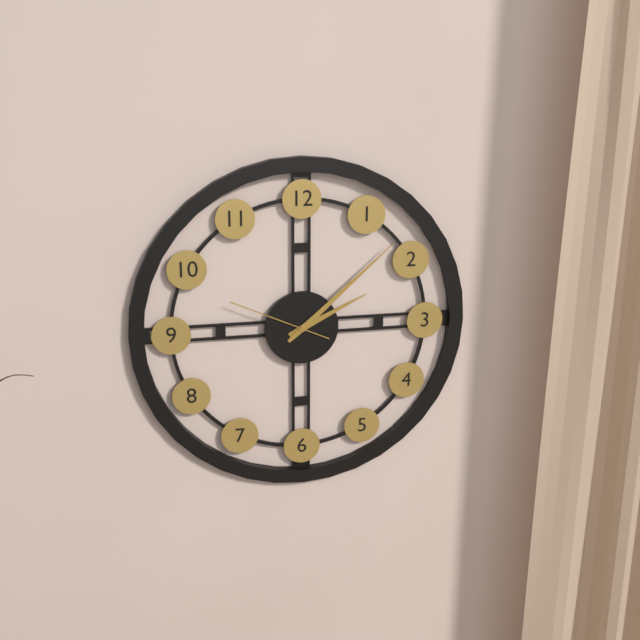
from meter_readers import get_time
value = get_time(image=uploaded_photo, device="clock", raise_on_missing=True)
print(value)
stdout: 2:08:49
